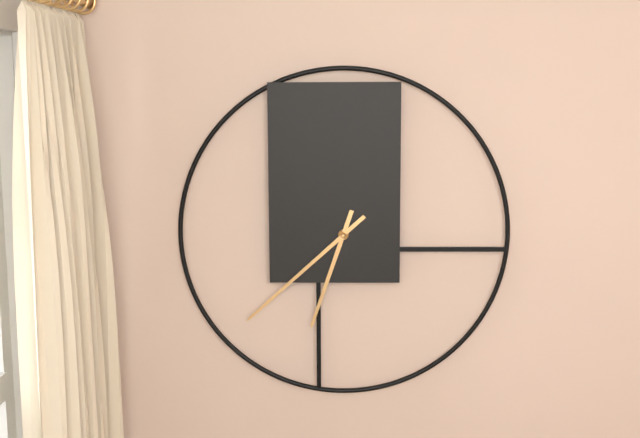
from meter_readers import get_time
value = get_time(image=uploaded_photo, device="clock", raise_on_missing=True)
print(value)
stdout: 6:38
